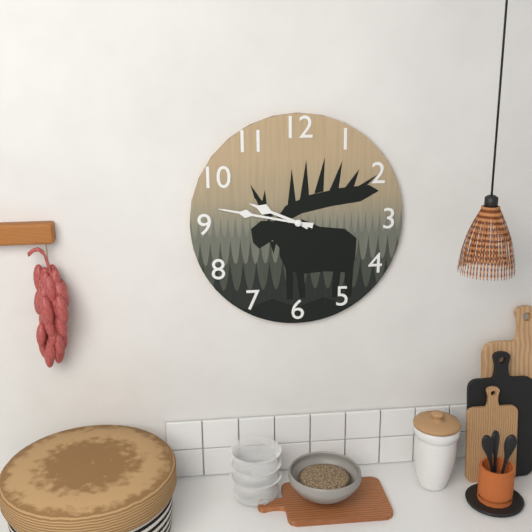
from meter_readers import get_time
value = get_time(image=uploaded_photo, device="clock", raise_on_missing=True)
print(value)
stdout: 9:47
